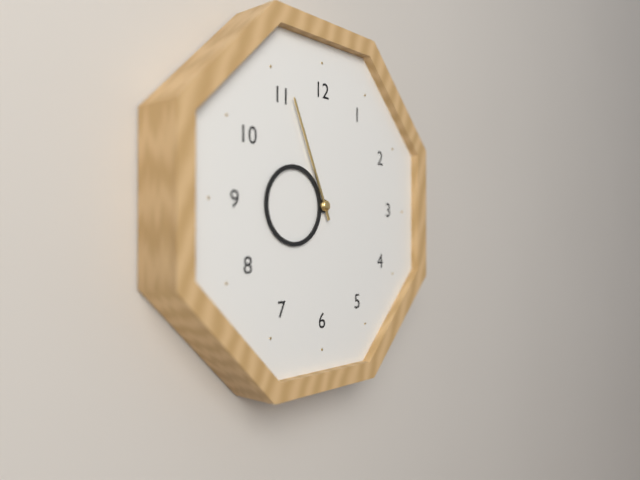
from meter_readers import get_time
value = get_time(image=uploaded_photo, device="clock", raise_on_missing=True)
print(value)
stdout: 8:56
